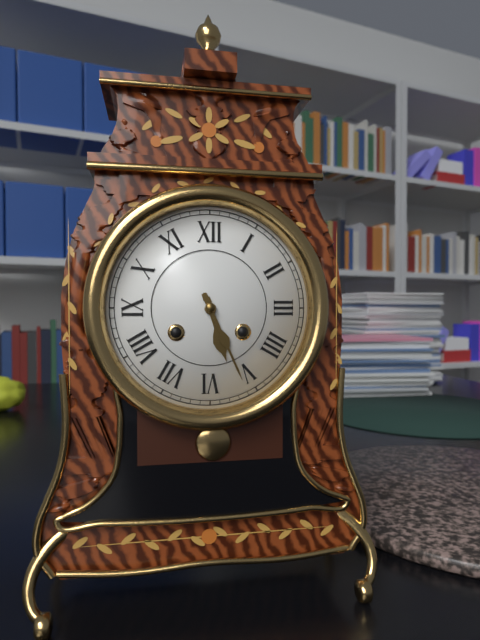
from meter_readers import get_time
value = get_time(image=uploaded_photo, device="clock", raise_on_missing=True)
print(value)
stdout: 5:26
